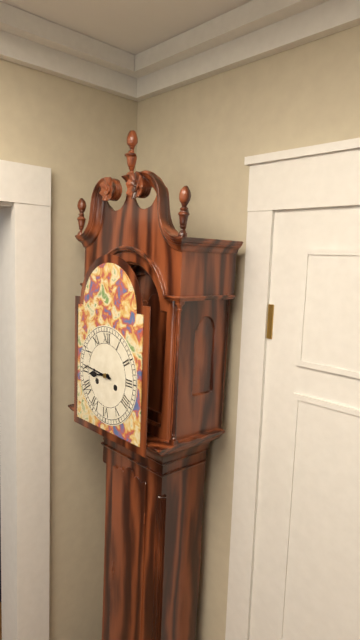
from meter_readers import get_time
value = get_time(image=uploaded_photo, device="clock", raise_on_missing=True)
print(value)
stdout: 8:46
